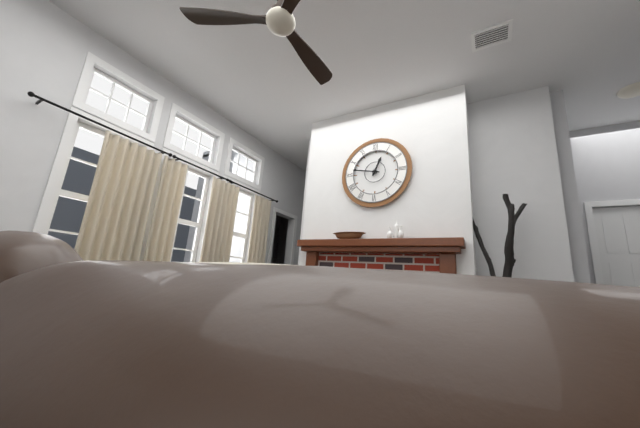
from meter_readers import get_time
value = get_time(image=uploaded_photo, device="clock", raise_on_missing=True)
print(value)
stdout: 12:47
